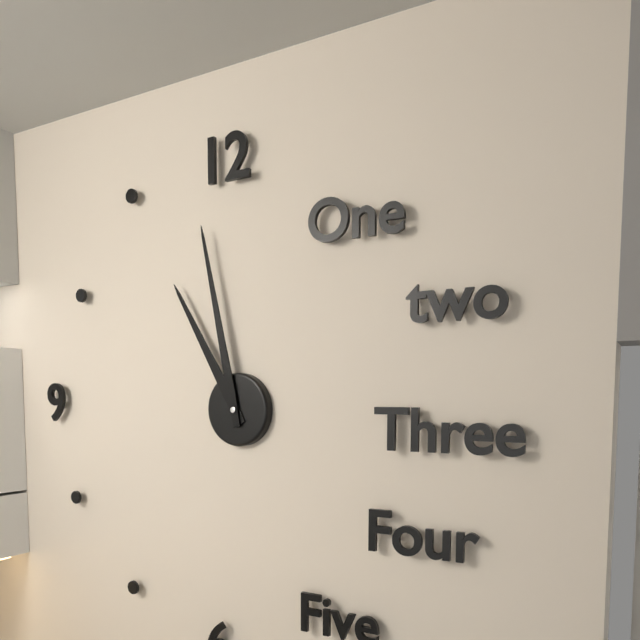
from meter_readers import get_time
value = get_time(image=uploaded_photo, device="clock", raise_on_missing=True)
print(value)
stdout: 10:58
